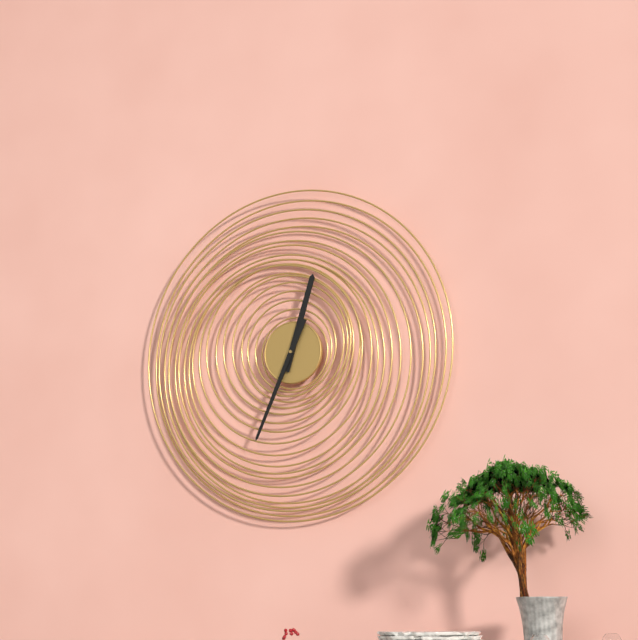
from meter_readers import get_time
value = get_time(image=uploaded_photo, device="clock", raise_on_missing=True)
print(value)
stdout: 12:34
